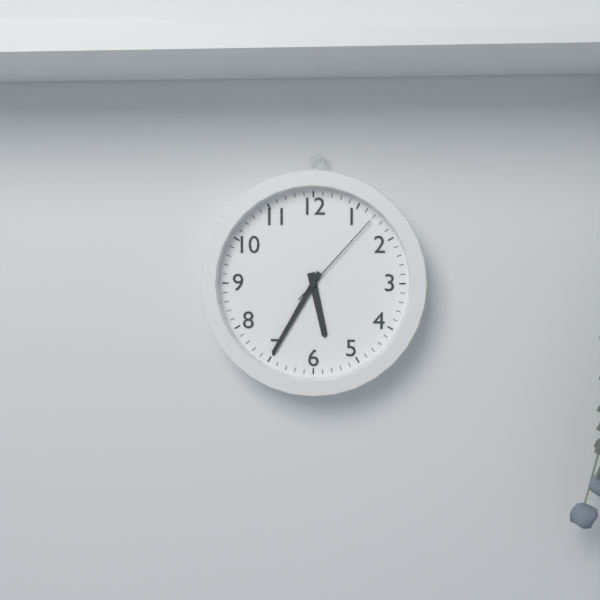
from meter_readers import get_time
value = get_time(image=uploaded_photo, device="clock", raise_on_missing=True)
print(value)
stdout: 5:35:07
